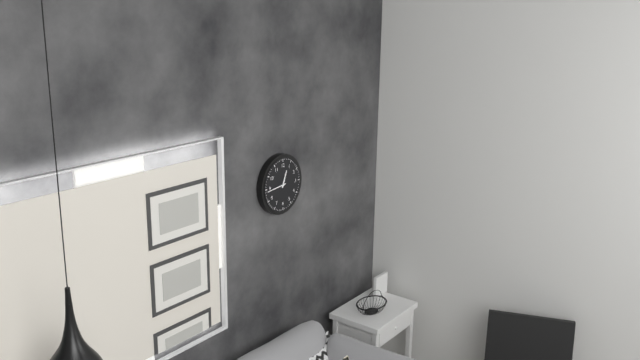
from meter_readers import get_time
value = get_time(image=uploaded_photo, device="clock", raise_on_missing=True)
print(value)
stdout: 12:44
